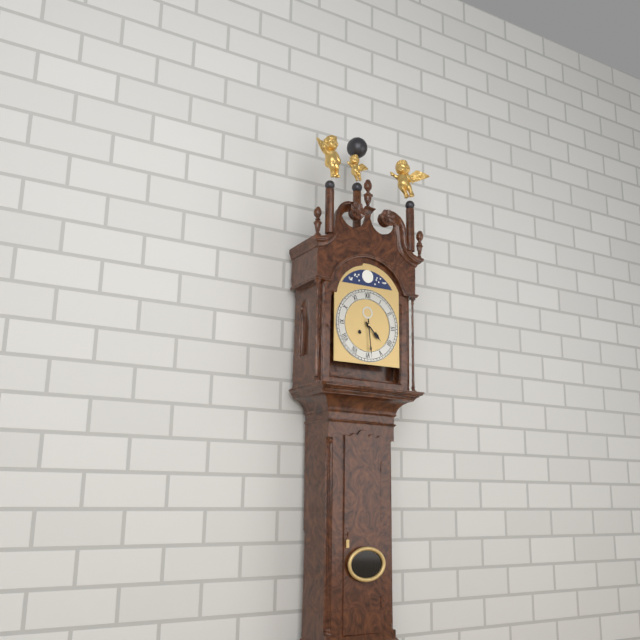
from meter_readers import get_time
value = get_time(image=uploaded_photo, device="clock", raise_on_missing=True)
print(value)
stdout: 4:29
